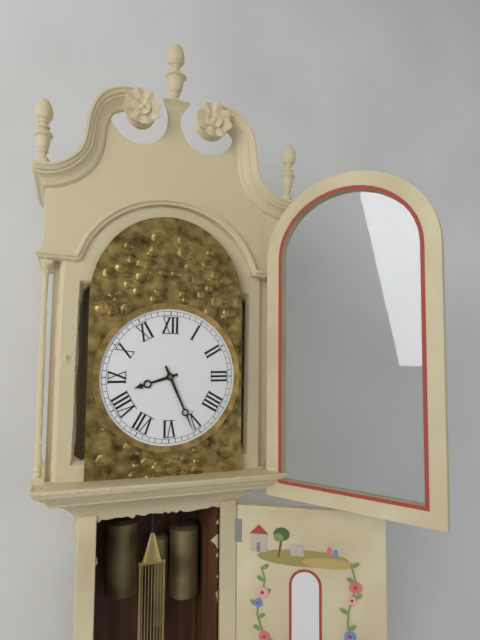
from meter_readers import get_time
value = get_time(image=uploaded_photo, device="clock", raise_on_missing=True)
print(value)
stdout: 8:26
